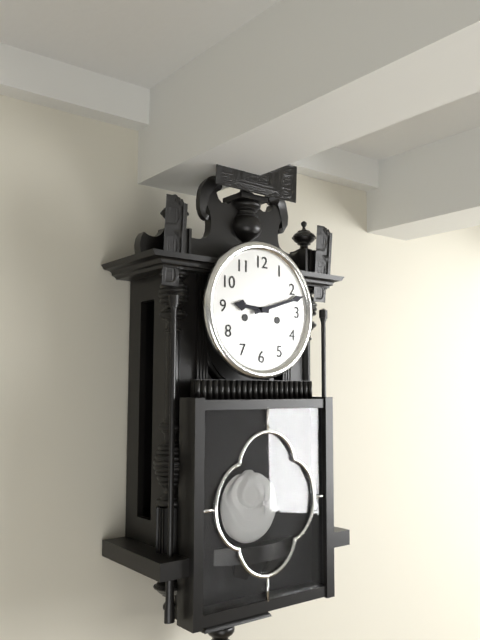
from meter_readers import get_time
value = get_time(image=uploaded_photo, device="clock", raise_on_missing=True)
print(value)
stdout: 9:12
